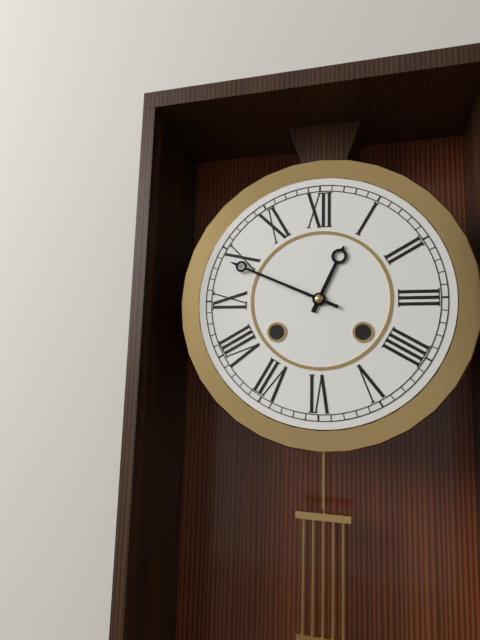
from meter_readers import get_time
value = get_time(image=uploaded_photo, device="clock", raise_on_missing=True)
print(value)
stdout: 12:49
